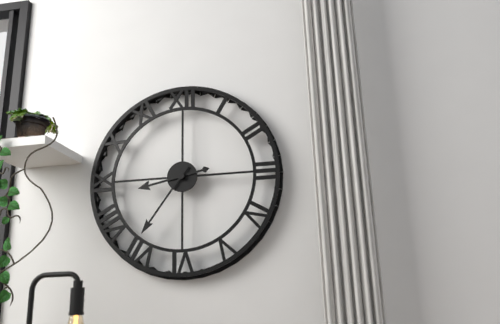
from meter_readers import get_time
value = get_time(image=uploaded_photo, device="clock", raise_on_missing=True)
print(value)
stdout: 8:36
